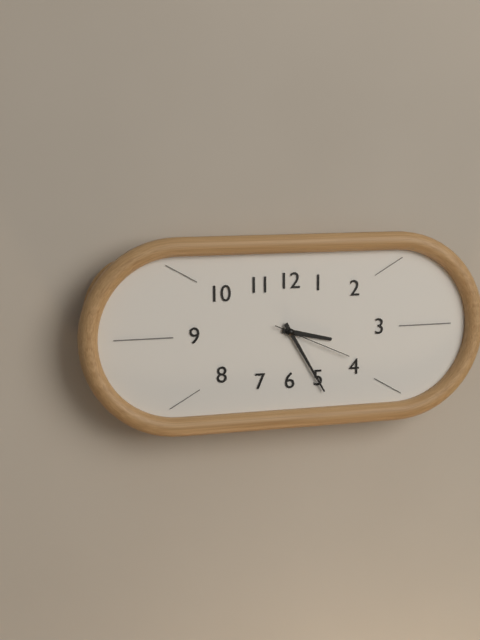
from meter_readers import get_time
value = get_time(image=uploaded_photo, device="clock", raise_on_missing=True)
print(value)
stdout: 3:25:19
